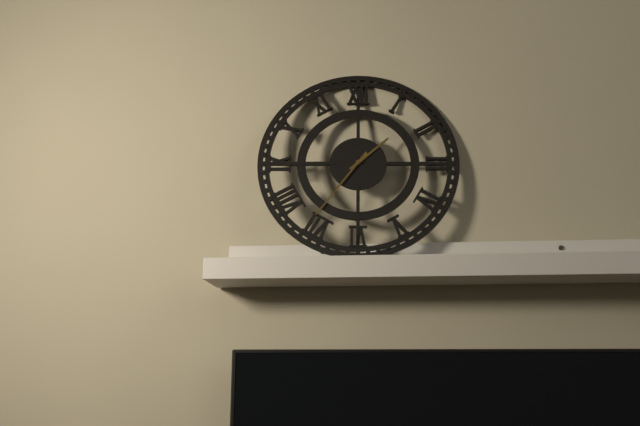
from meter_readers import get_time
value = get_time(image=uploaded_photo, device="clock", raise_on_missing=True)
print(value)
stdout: 1:36
